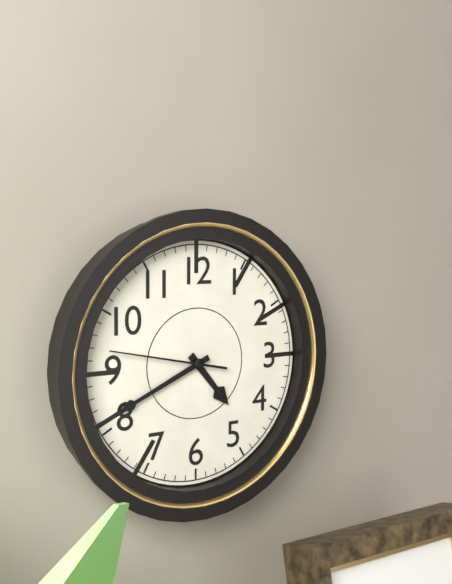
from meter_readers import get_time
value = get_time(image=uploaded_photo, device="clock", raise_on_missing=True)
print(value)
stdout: 4:41:47
